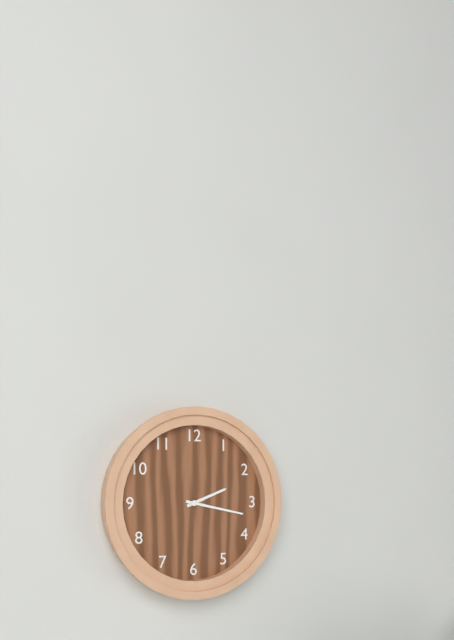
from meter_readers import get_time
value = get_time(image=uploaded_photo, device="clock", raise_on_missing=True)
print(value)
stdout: 2:17
